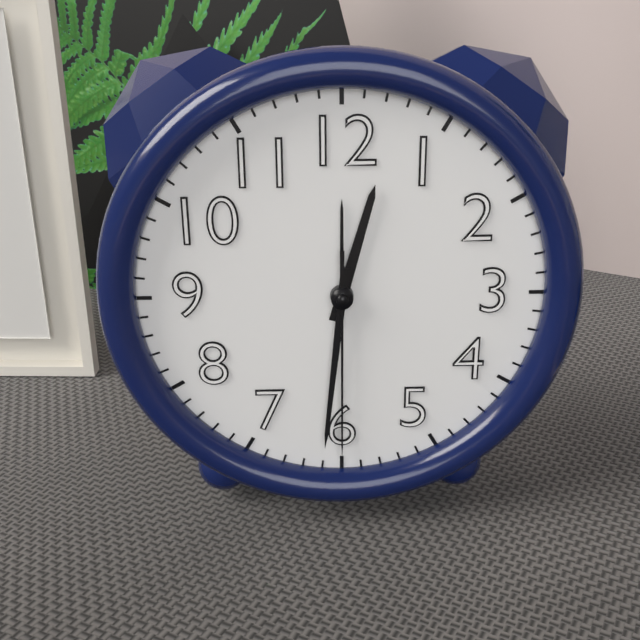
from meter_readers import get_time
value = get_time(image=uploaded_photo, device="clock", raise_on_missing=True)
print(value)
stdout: 12:31:30
